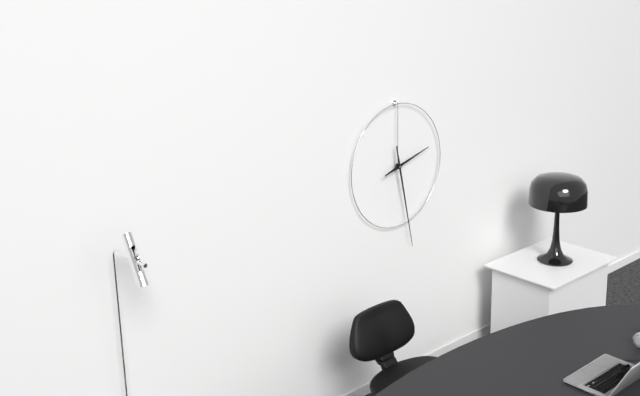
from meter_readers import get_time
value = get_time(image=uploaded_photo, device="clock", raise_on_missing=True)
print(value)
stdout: 2:28
